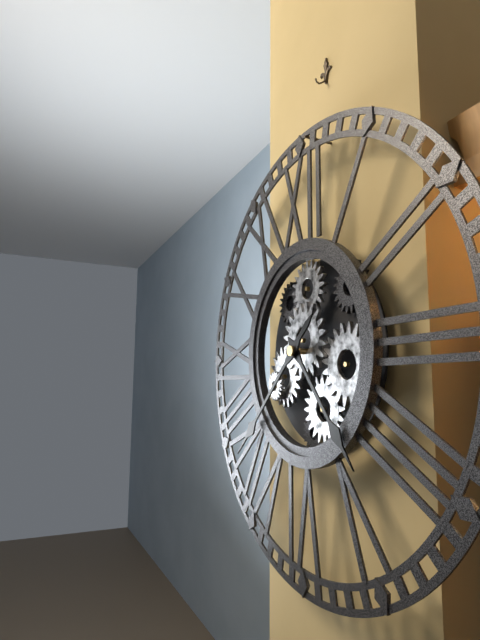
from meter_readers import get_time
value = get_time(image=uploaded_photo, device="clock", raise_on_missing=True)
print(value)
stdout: 4:38
